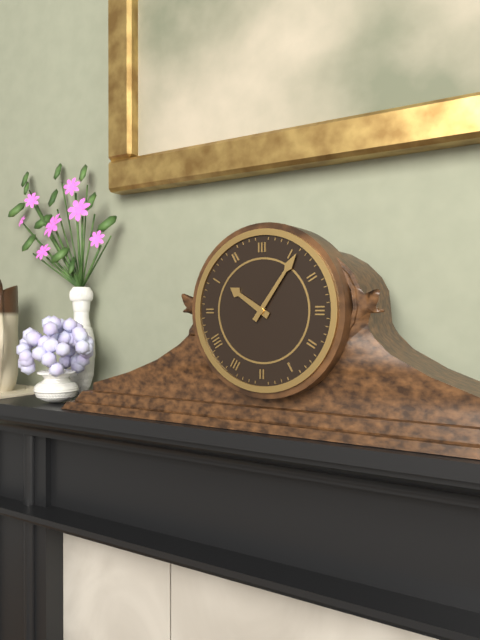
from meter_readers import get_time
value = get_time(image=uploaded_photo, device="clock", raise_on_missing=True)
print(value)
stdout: 10:06
